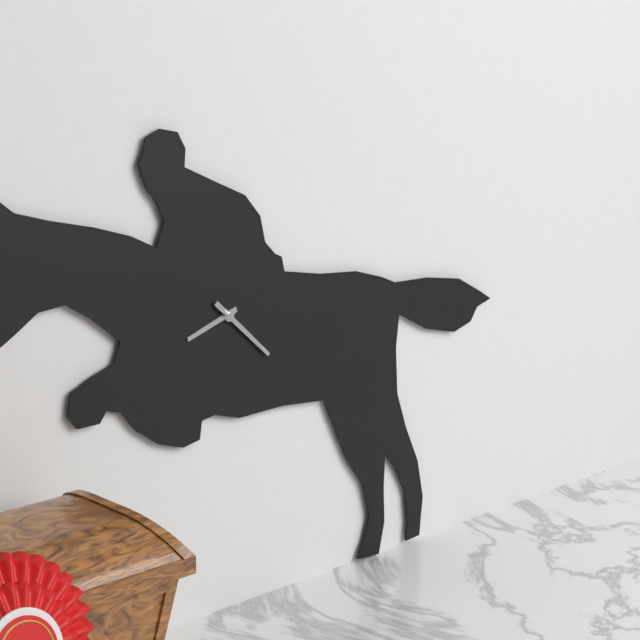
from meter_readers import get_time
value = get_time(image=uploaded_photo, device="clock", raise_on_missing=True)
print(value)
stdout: 8:22
